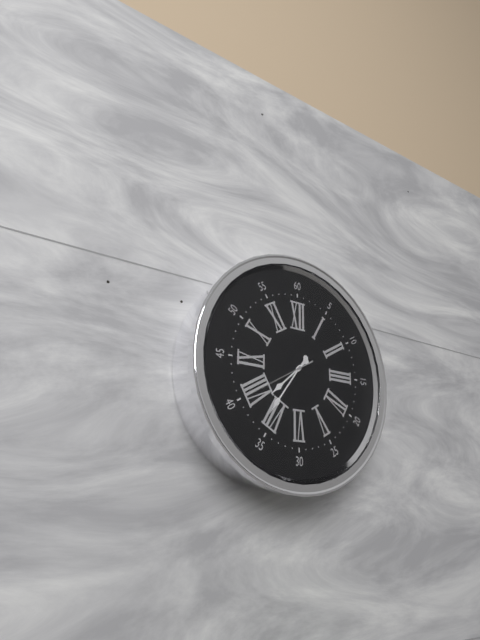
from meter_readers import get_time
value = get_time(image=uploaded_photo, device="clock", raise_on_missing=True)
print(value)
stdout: 7:36:40
